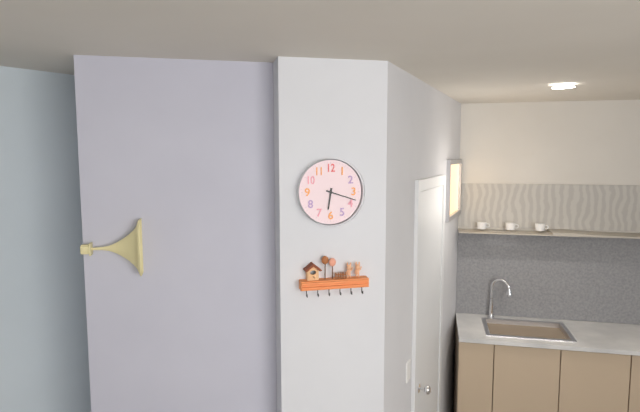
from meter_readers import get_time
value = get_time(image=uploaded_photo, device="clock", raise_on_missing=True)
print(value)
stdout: 6:18
